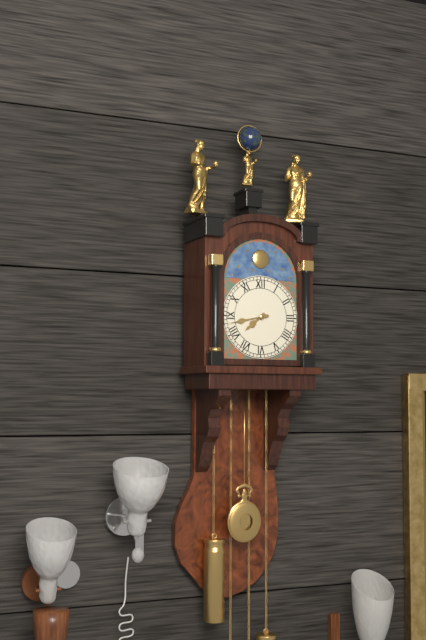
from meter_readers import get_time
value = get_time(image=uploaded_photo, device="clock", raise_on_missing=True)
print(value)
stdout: 7:43
